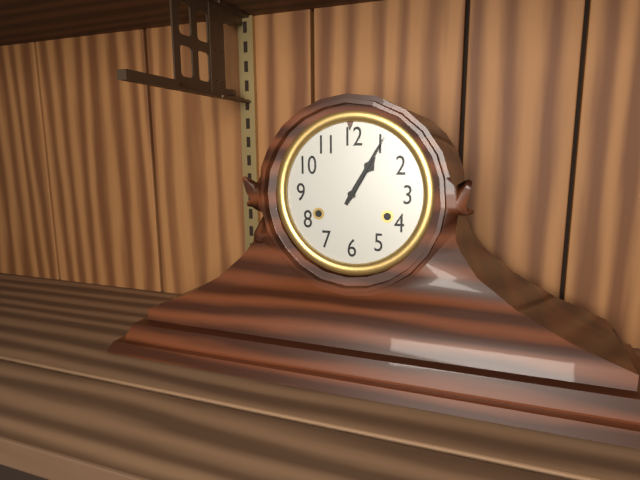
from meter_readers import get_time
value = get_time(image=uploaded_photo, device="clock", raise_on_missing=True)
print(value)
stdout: 1:05
